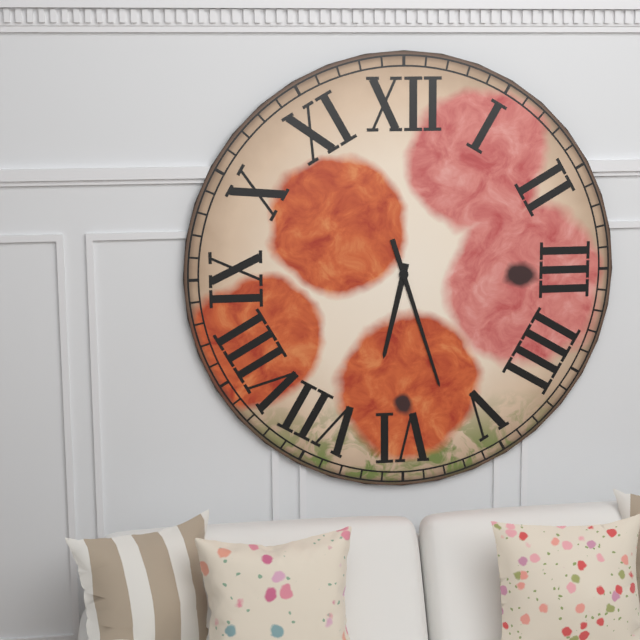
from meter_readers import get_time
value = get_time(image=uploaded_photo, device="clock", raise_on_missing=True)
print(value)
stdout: 6:27
